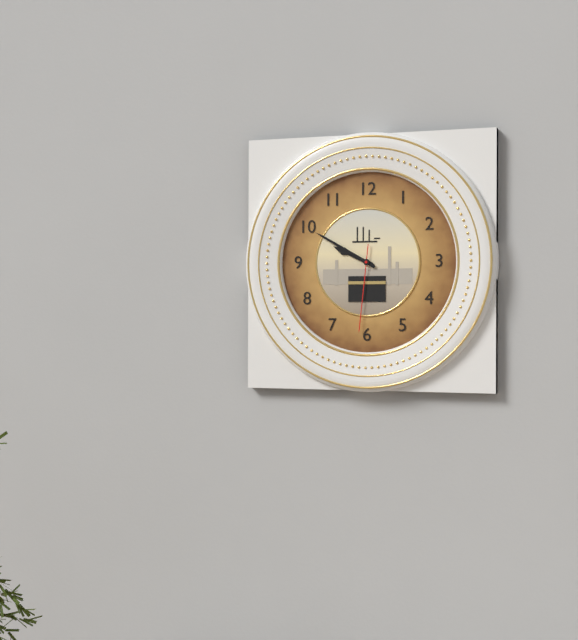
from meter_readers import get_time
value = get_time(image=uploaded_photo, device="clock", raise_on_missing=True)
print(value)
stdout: 9:50:31
